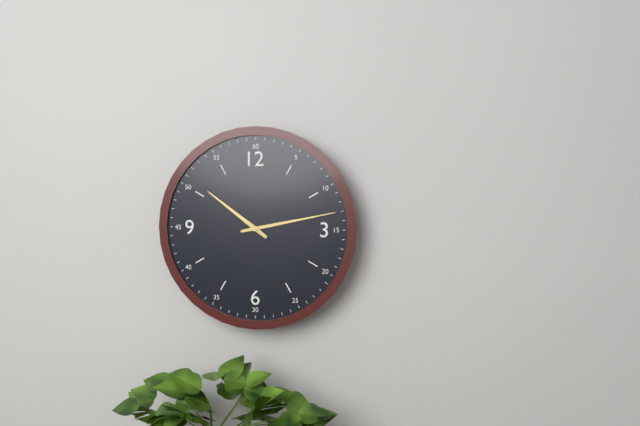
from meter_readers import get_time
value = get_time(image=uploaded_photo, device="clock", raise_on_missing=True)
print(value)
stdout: 10:13
